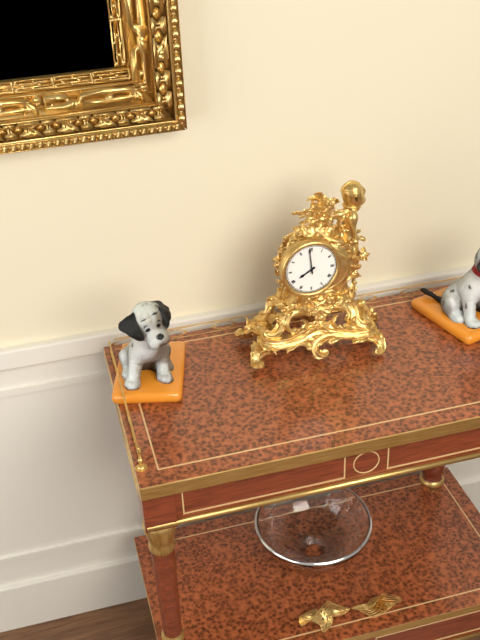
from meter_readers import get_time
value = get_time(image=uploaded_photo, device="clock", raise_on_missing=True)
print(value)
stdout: 7:59
